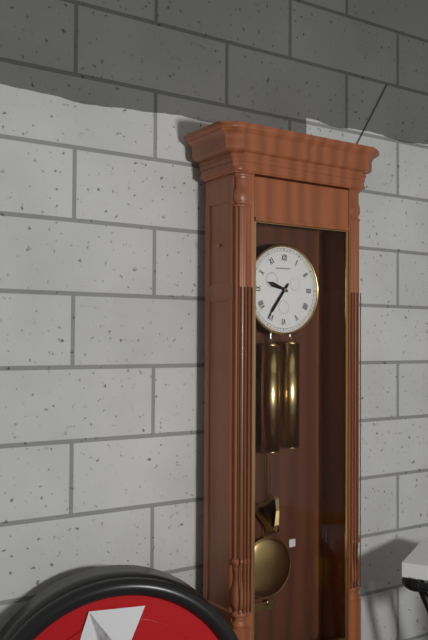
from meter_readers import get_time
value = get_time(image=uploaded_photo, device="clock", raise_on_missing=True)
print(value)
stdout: 9:36
